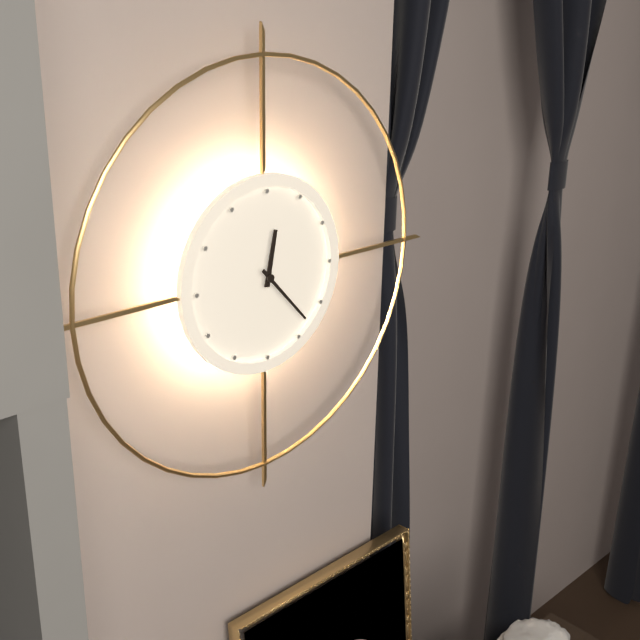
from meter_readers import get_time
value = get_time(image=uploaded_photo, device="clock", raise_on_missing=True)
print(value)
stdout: 12:23
